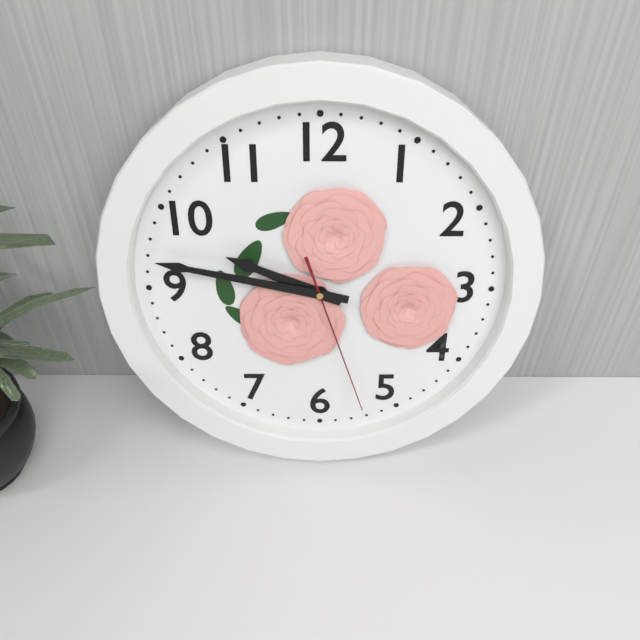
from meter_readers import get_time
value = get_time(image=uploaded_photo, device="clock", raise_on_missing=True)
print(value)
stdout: 9:47:27
